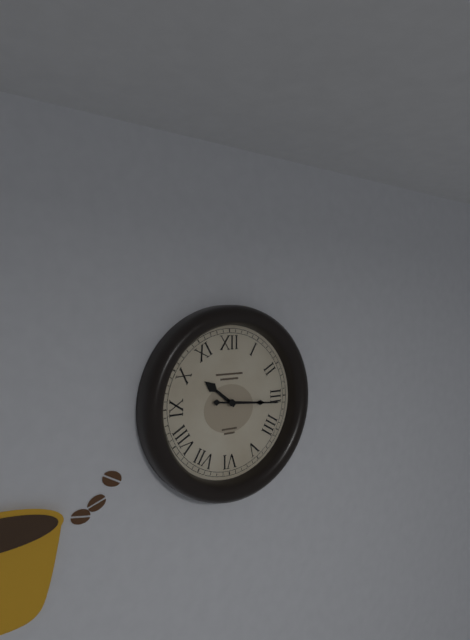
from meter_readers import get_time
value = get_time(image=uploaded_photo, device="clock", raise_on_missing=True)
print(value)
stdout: 10:16
